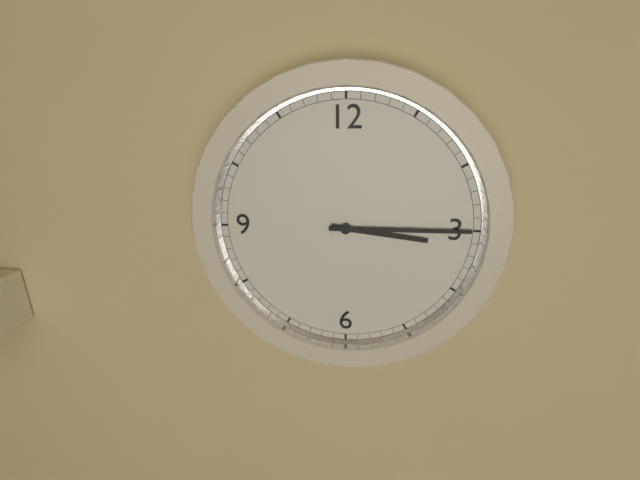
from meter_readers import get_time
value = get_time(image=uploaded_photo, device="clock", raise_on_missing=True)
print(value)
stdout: 3:15
